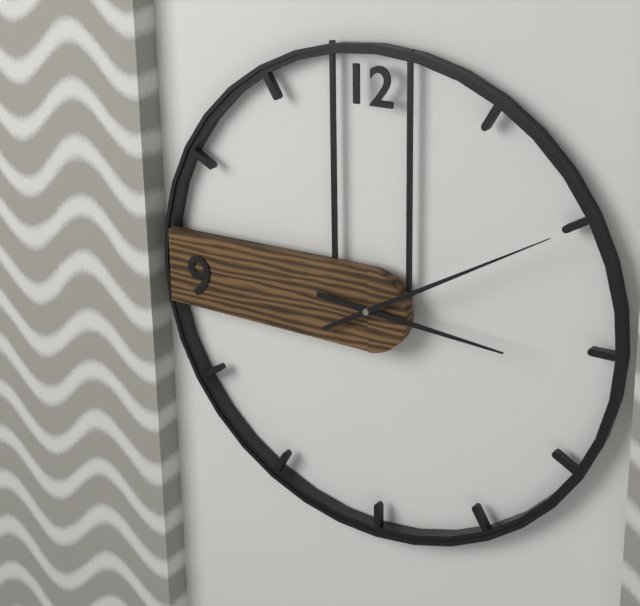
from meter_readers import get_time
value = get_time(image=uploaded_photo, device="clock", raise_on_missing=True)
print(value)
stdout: 3:10
